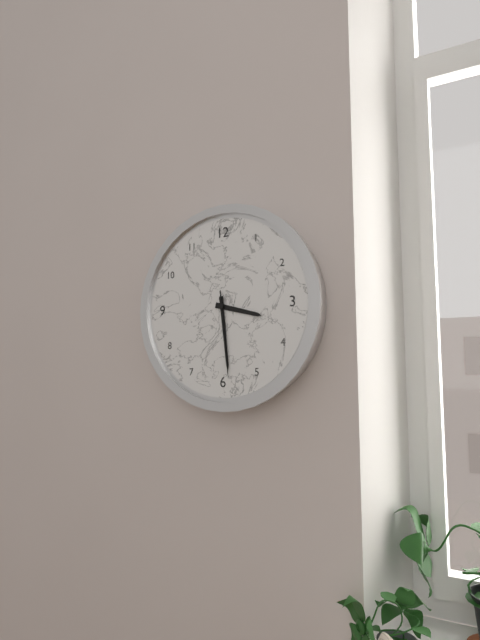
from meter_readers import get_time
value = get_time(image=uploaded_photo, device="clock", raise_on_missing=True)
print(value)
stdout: 3:29:29
